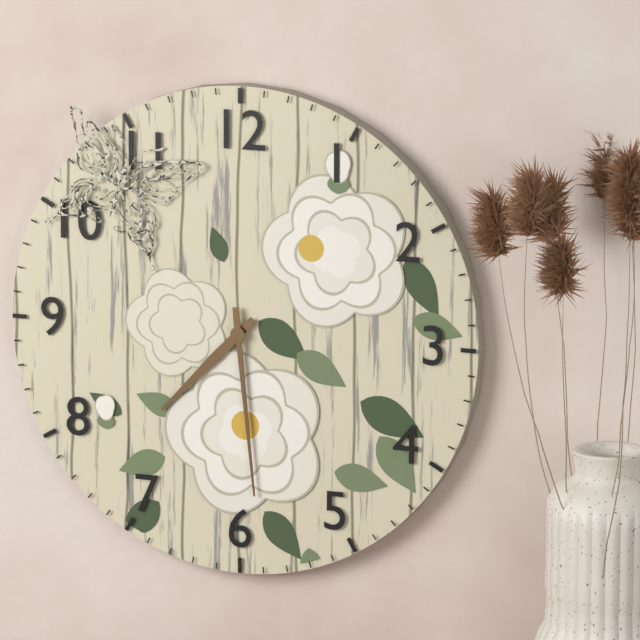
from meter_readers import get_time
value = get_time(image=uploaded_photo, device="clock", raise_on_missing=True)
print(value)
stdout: 7:29
